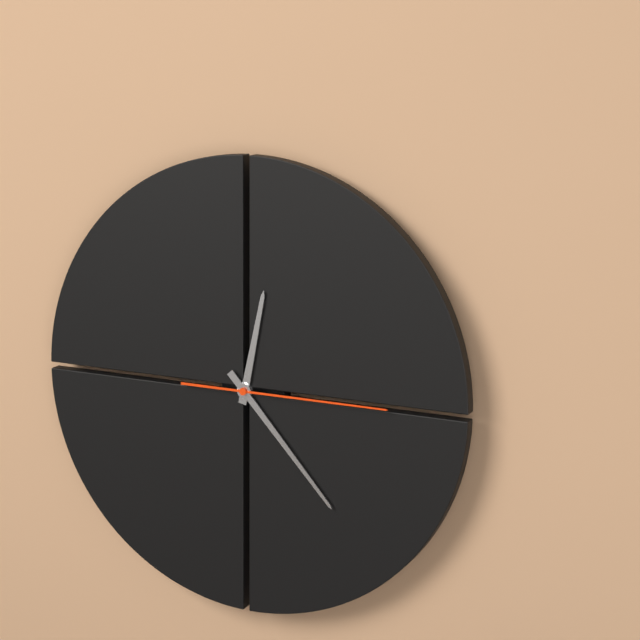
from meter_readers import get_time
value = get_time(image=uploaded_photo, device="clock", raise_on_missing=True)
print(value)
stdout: 12:23:15
